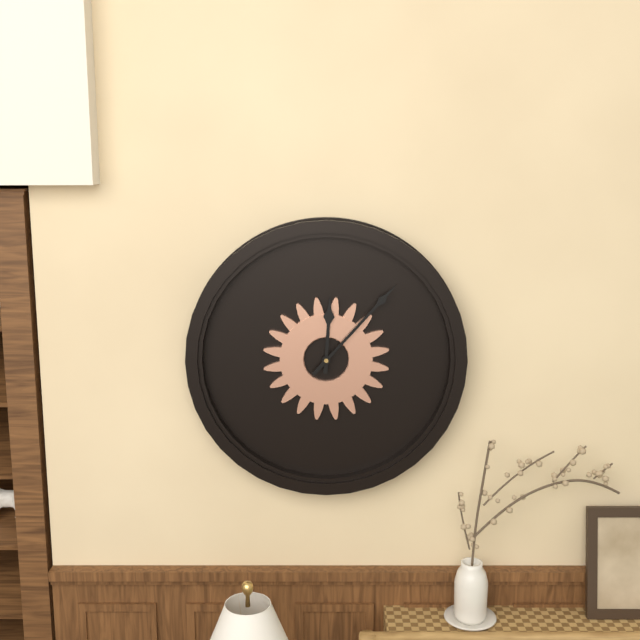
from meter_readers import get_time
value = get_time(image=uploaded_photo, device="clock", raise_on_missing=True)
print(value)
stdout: 12:07
